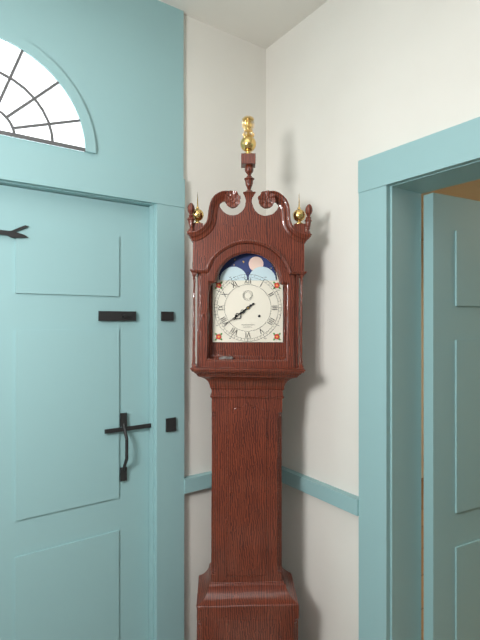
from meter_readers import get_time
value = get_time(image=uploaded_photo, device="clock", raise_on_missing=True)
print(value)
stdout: 7:39
